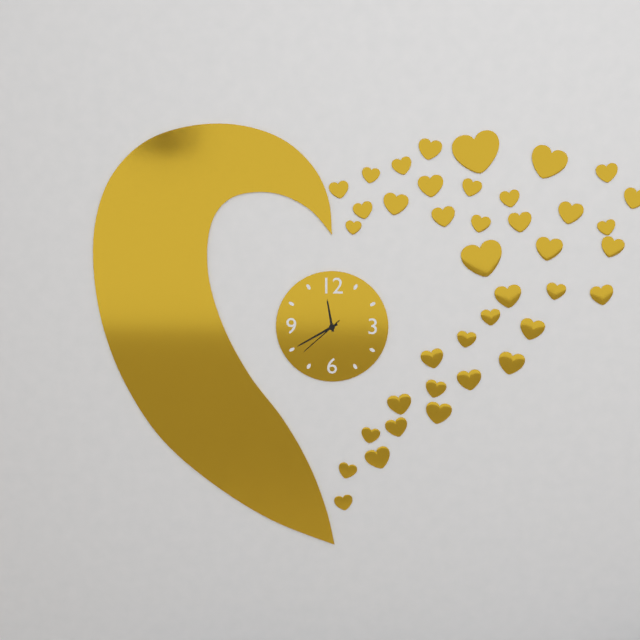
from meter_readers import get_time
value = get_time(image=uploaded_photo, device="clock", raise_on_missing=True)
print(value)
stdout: 11:40
